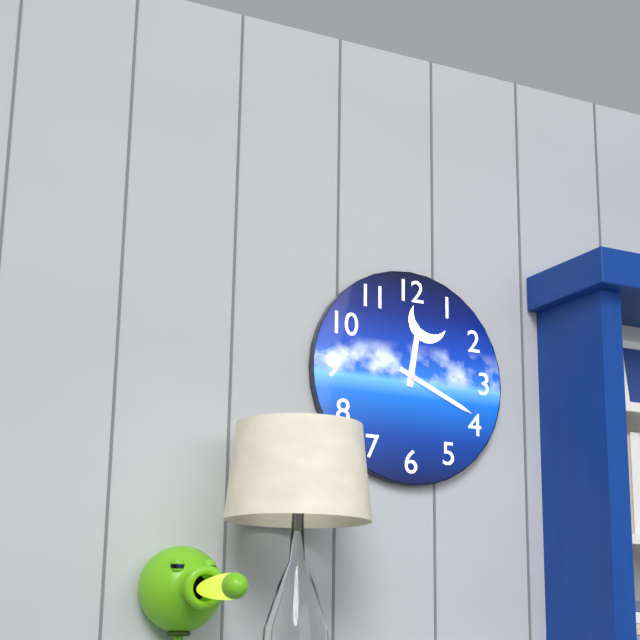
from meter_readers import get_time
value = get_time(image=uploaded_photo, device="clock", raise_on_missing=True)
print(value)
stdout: 12:19
